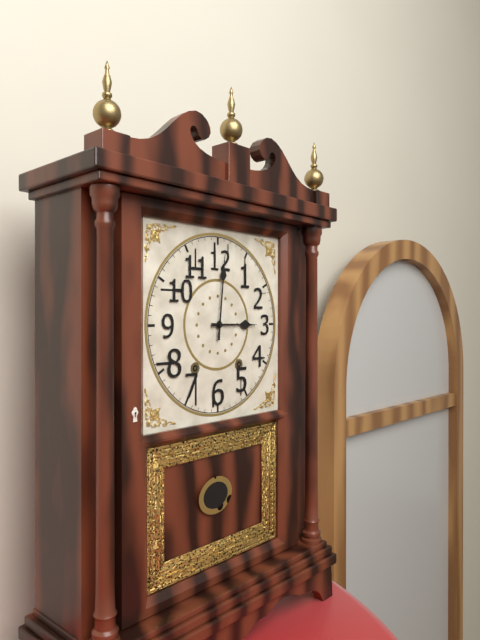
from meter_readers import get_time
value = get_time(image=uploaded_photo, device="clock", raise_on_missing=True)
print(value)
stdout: 3:01
